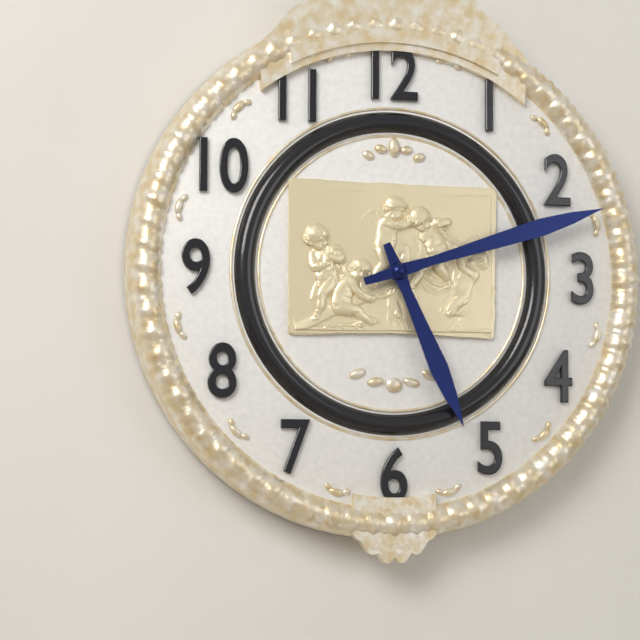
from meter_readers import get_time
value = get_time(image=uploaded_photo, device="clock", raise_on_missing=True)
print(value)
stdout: 5:12
